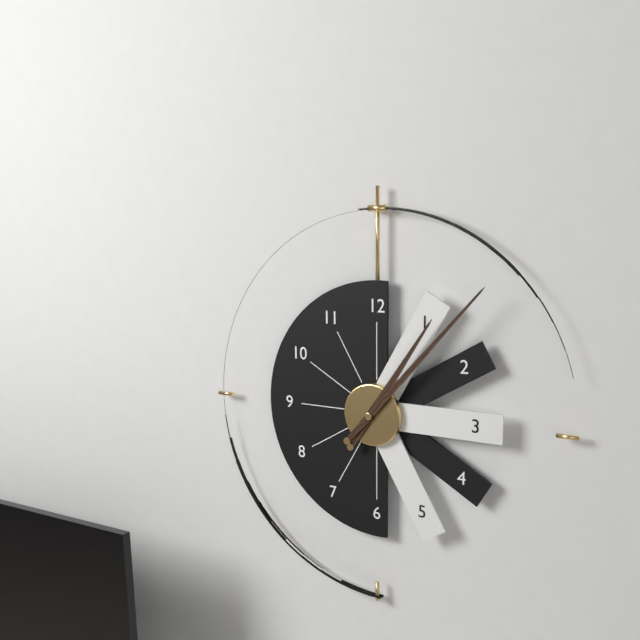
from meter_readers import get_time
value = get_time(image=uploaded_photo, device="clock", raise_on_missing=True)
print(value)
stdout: 1:07
